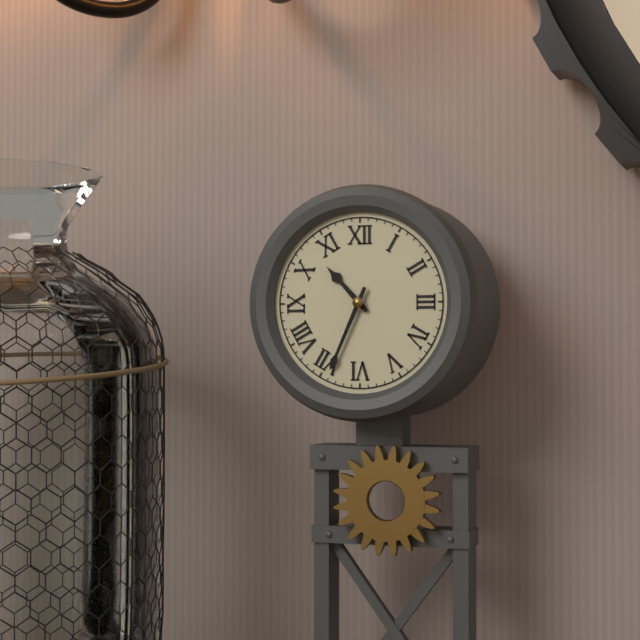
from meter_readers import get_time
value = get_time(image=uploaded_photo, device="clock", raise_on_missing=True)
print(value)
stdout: 10:34
